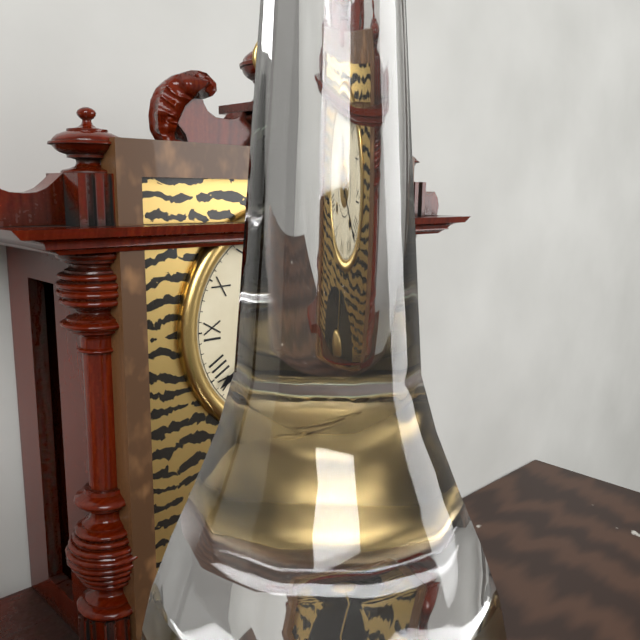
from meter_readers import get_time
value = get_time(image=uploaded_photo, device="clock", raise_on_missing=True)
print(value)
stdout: 12:39
